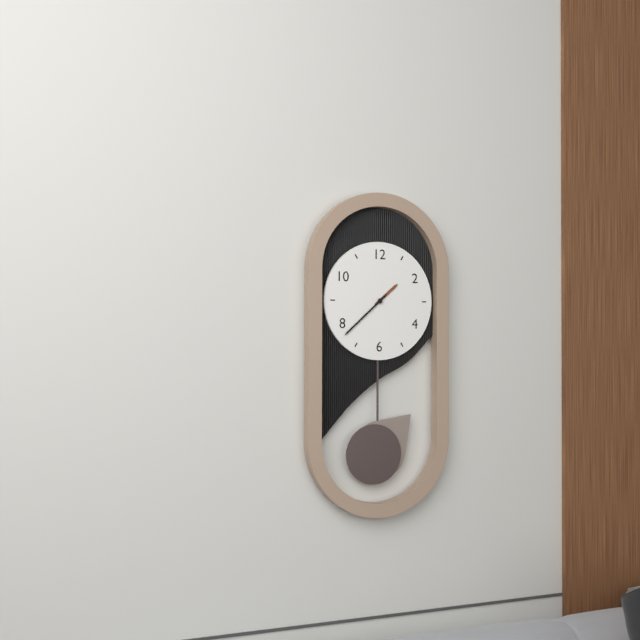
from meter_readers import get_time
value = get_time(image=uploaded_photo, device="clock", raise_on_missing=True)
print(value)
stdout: 1:38
